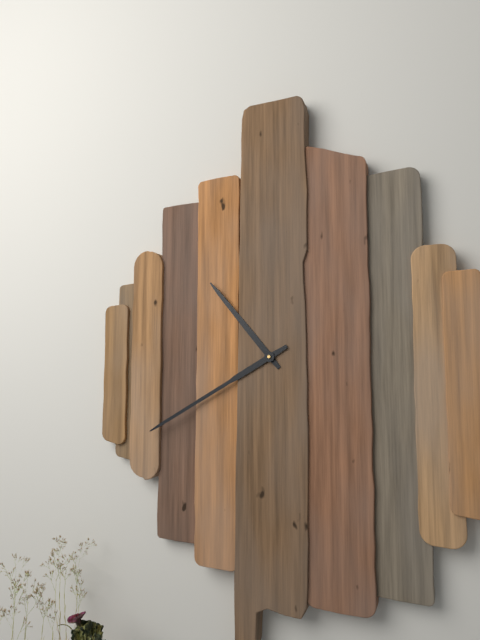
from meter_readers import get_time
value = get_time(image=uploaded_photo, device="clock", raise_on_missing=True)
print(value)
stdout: 10:40
